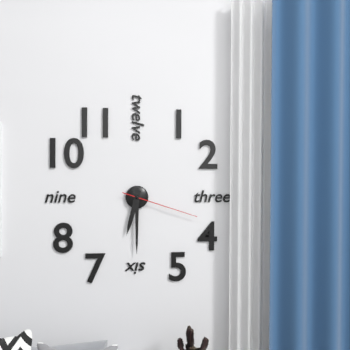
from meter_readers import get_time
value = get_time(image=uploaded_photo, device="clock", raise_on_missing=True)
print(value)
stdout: 6:30:18
